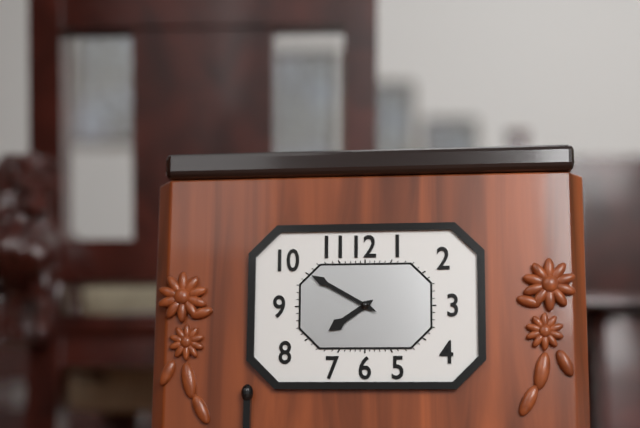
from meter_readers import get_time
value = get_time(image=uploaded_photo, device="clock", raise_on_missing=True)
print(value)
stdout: 7:50
